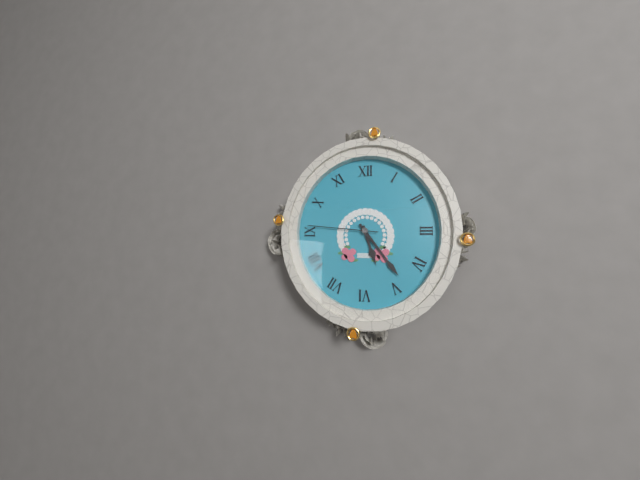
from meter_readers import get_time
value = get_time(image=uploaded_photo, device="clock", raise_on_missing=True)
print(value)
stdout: 5:24:46
